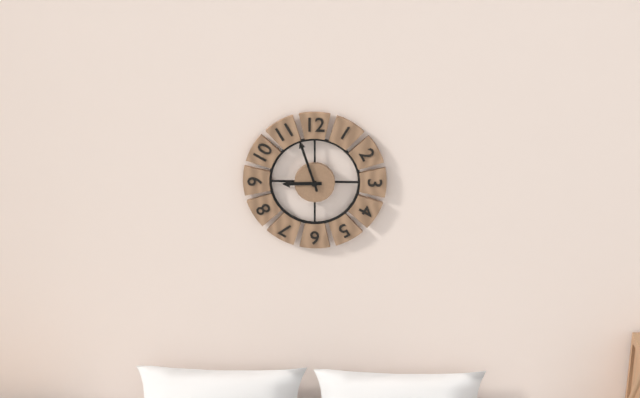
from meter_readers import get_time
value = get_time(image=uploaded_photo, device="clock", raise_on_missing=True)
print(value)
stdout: 8:57
